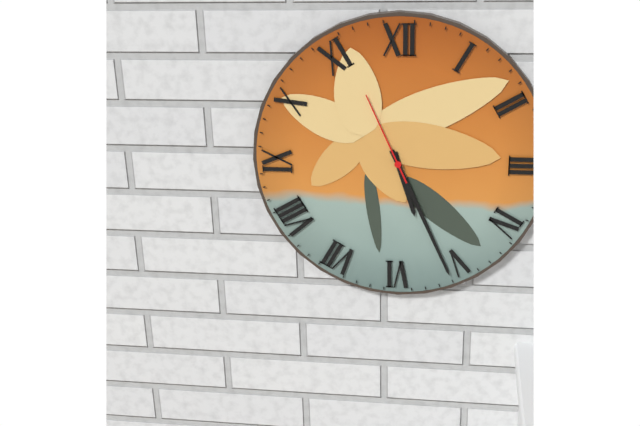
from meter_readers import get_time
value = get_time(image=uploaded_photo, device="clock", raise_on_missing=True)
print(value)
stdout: 5:26:56
